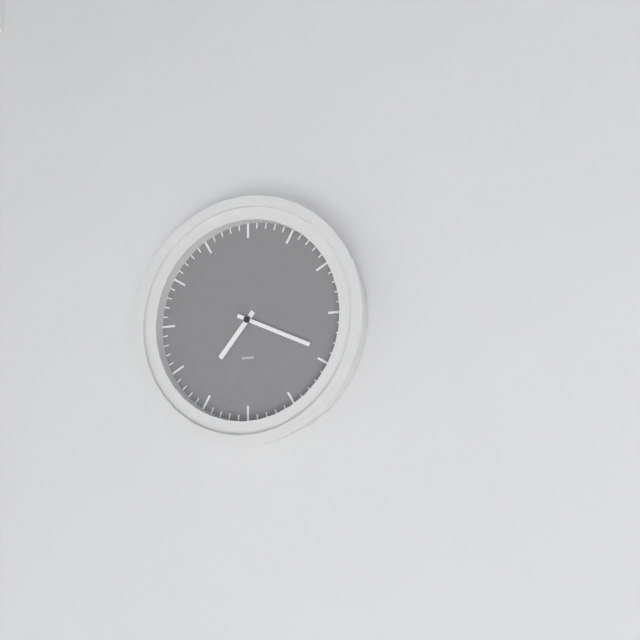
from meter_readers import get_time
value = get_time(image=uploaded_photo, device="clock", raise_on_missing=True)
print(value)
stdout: 7:19
